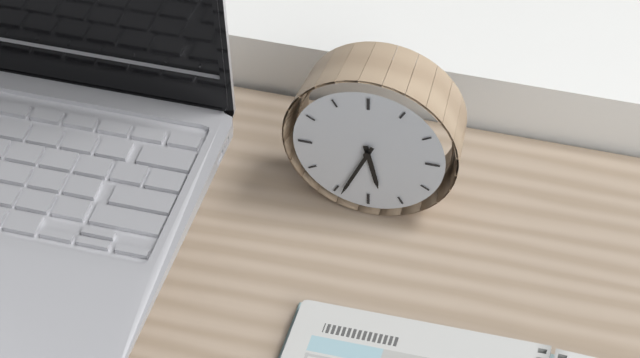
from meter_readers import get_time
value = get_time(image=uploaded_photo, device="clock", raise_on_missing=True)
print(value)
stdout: 5:34
